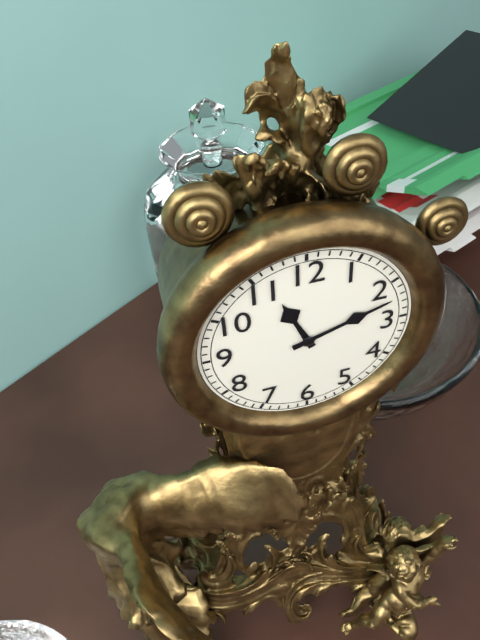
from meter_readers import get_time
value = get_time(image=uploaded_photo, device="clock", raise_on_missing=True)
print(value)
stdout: 11:12
